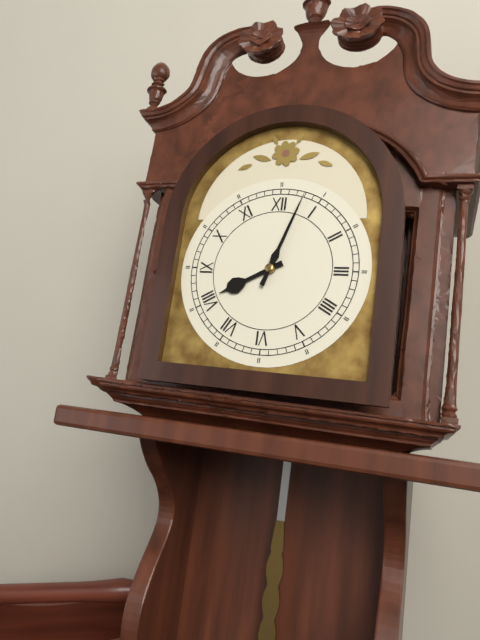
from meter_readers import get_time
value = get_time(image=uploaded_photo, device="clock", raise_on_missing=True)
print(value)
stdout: 8:03
